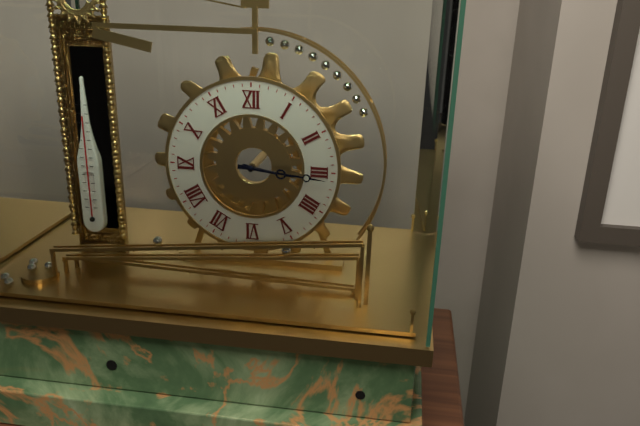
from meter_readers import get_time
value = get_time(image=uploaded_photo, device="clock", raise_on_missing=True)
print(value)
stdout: 3:16
